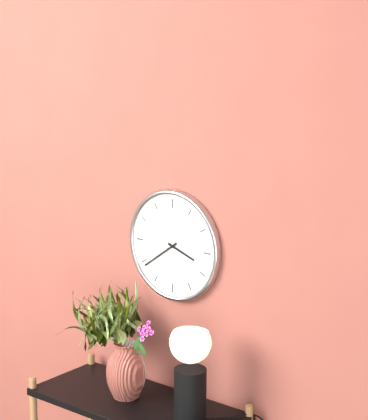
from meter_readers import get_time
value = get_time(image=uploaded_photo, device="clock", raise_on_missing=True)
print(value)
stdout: 3:39
